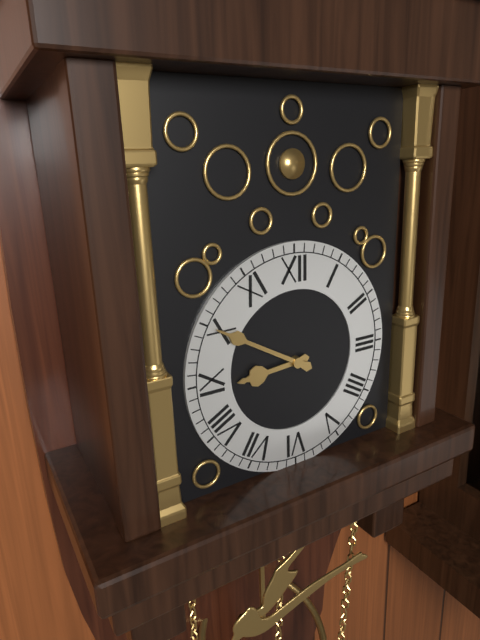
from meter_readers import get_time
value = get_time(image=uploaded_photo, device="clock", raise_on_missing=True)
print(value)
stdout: 8:50
